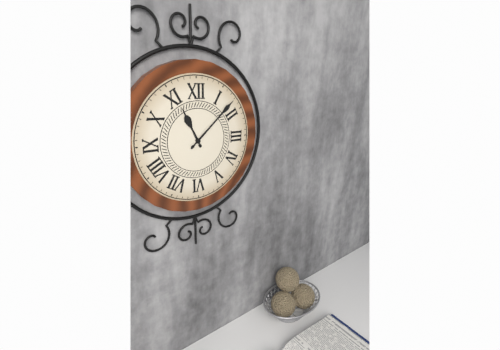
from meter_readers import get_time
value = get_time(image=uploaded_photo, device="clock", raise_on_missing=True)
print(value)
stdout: 11:08
